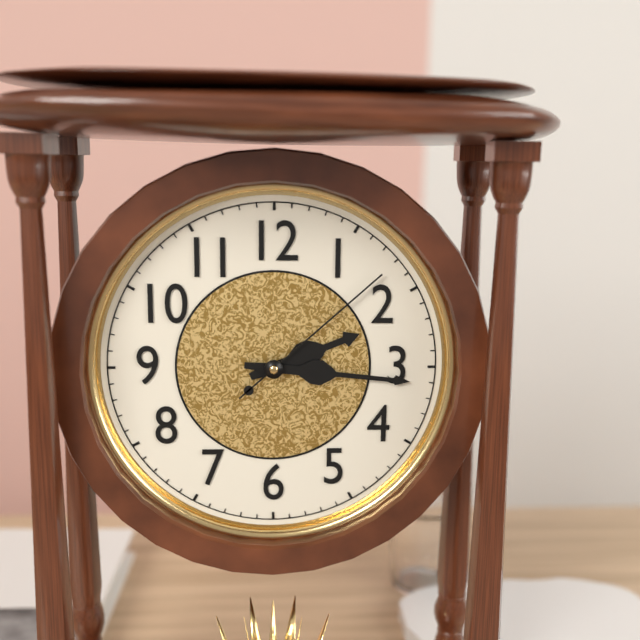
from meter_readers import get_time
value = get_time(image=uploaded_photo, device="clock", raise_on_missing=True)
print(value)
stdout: 2:16:08
